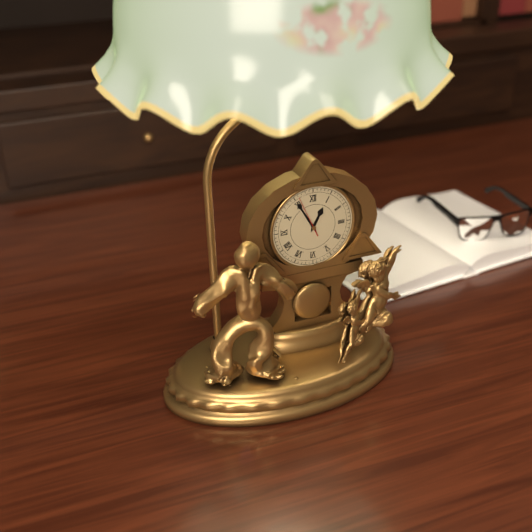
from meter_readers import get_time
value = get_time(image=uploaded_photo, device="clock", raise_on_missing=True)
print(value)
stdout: 12:55
